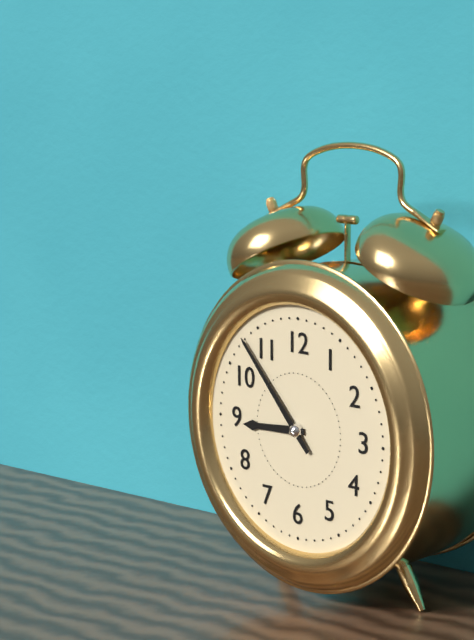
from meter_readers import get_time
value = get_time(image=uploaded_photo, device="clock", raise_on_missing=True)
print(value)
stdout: 8:53
